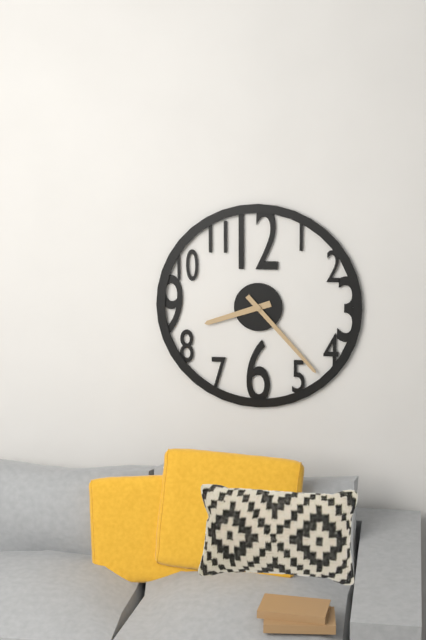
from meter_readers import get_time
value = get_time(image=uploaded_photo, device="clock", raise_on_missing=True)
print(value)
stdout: 8:23
